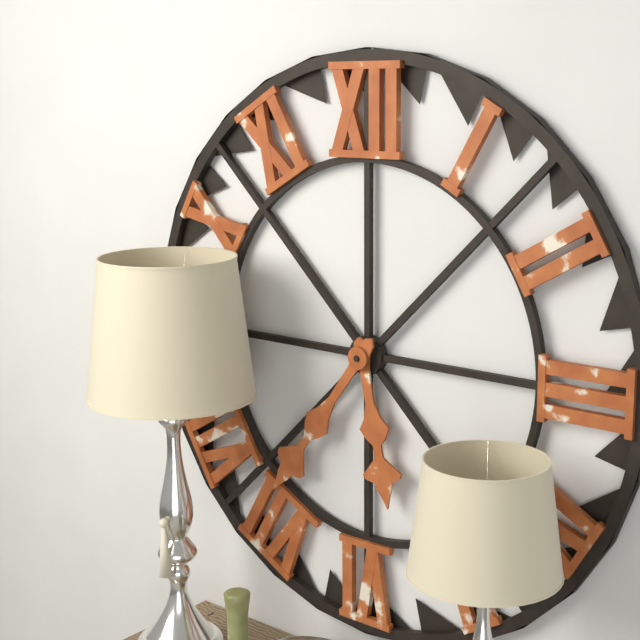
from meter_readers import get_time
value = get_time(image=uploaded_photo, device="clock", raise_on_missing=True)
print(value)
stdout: 5:36
